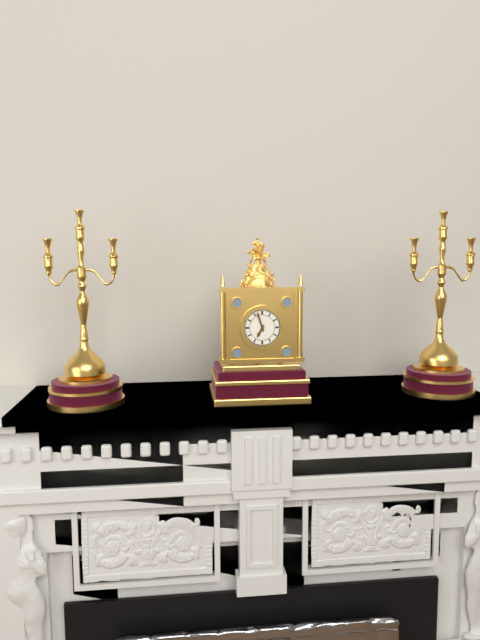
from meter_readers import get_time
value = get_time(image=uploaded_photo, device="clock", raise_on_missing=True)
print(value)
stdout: 6:57
